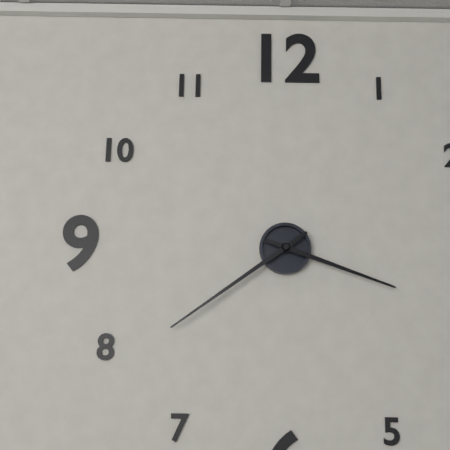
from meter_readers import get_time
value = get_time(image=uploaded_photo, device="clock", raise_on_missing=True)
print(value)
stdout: 3:39
